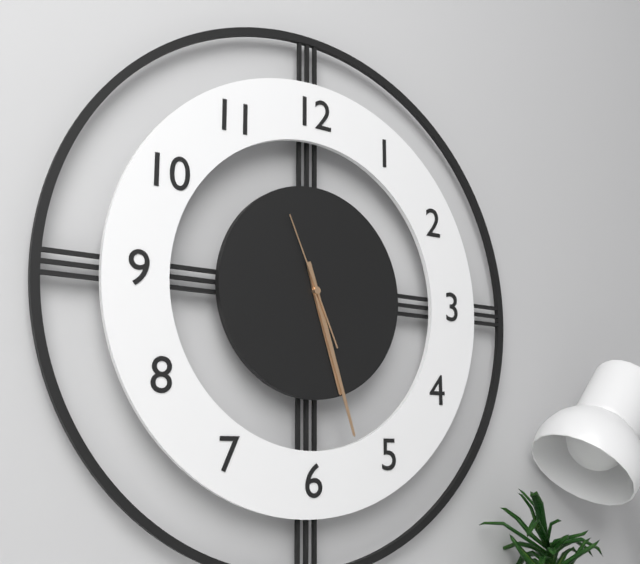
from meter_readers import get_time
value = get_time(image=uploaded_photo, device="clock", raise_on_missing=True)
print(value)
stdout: 5:27:56
